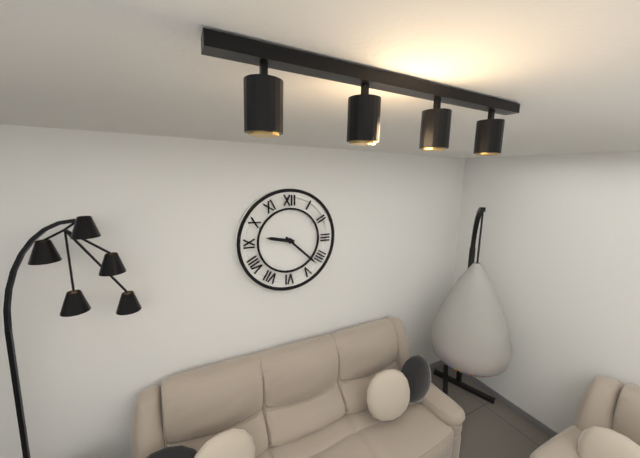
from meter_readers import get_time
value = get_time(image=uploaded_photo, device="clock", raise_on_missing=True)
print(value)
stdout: 9:22
